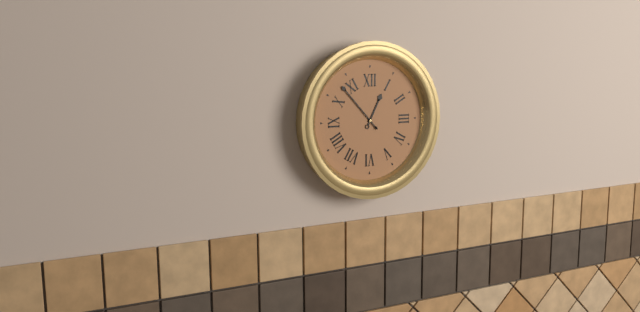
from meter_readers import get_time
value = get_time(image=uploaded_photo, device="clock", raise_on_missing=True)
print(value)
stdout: 12:53
